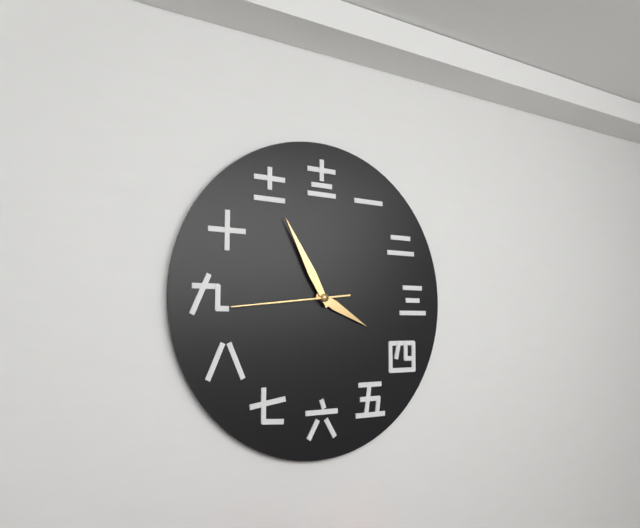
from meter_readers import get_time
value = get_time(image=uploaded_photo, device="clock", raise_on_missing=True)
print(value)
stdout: 3:55:44
